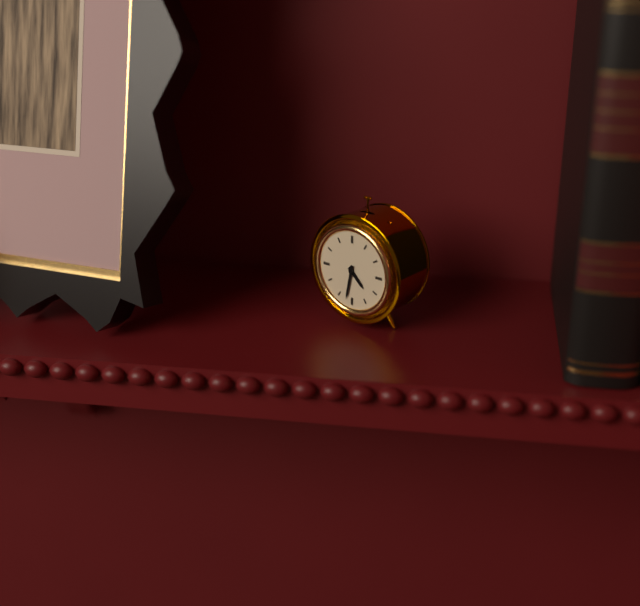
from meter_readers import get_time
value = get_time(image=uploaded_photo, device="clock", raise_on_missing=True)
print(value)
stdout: 4:32
